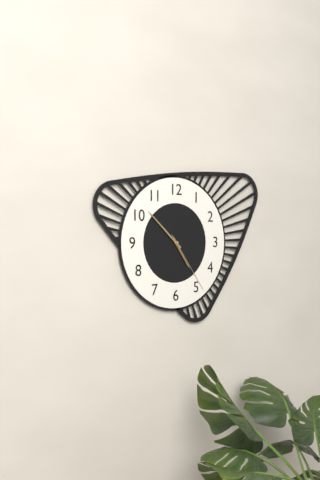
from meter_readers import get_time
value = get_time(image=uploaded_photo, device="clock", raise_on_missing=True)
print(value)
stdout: 4:52:24
